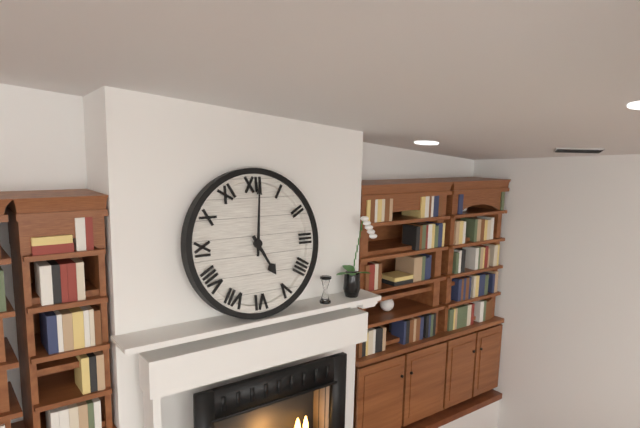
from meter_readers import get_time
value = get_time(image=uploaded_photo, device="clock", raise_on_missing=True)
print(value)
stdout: 5:01
